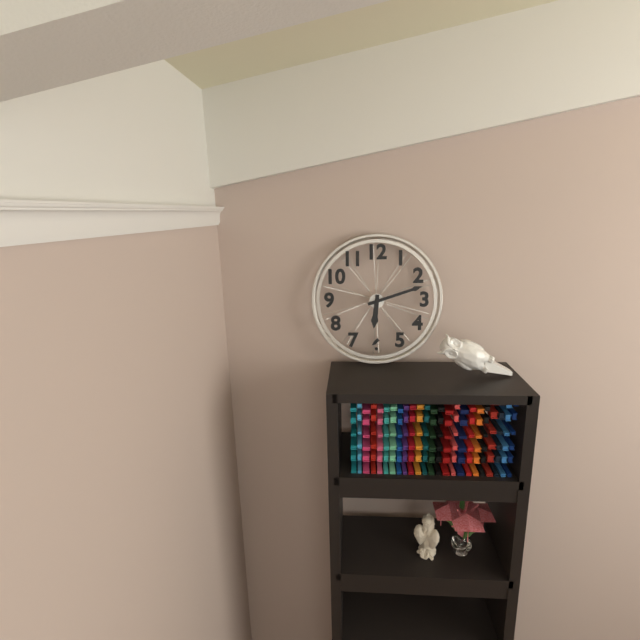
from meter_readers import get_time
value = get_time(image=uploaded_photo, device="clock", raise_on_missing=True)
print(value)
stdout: 6:12
